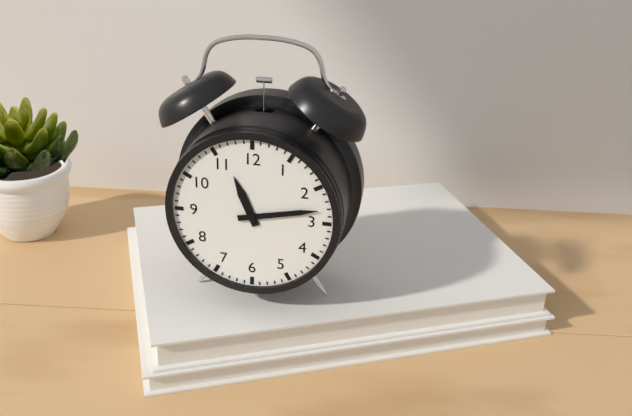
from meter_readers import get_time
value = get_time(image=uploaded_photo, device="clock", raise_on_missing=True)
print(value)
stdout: 11:13
